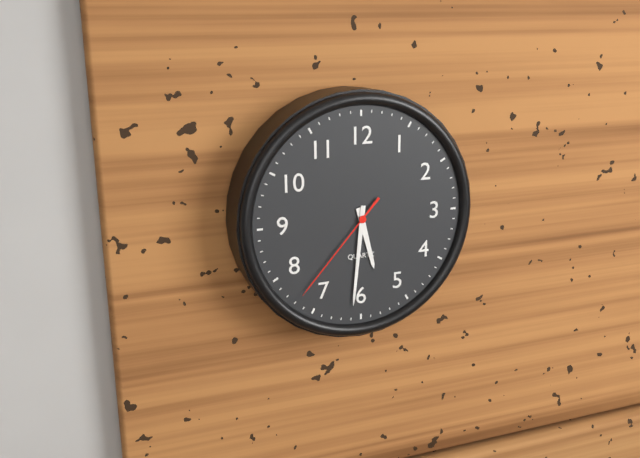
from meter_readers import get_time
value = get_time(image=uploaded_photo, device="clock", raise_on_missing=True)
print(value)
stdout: 5:31:37
